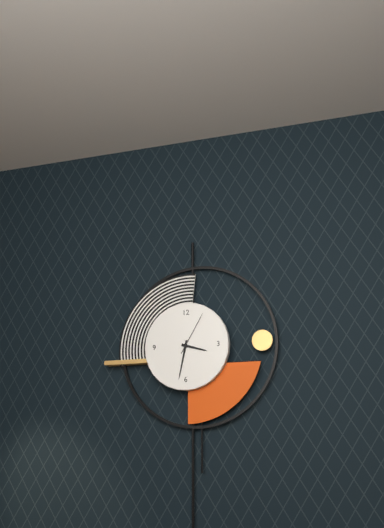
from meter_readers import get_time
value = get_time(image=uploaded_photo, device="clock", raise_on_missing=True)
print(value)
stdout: 3:32
